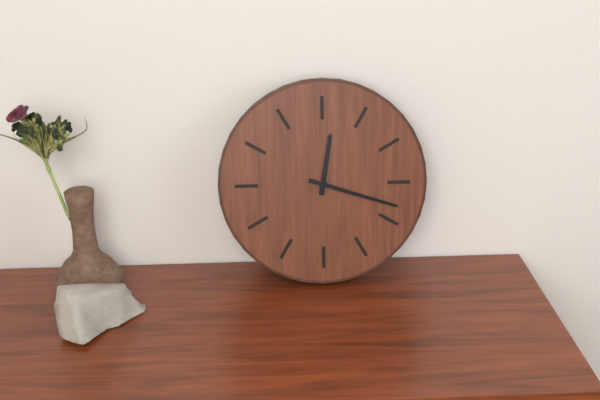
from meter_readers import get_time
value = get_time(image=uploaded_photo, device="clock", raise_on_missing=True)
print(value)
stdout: 12:18
